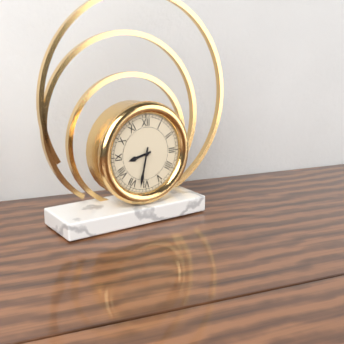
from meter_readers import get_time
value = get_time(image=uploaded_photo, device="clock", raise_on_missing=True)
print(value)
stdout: 8:32
